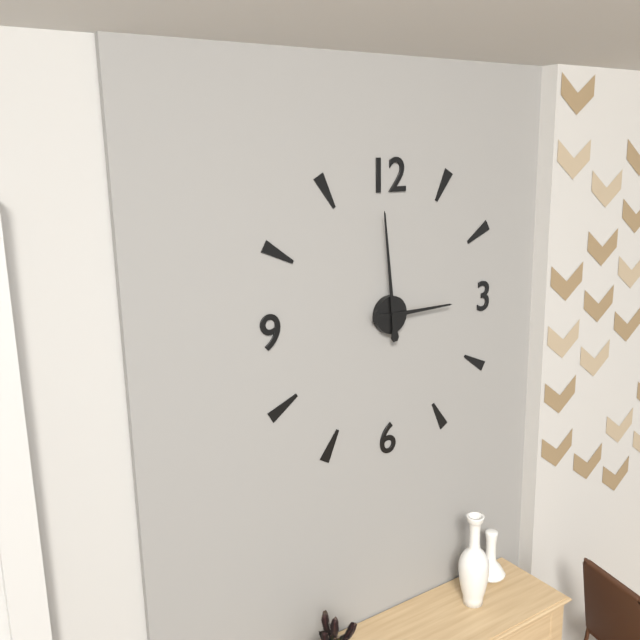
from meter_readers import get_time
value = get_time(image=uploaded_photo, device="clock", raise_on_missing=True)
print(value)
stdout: 2:59
